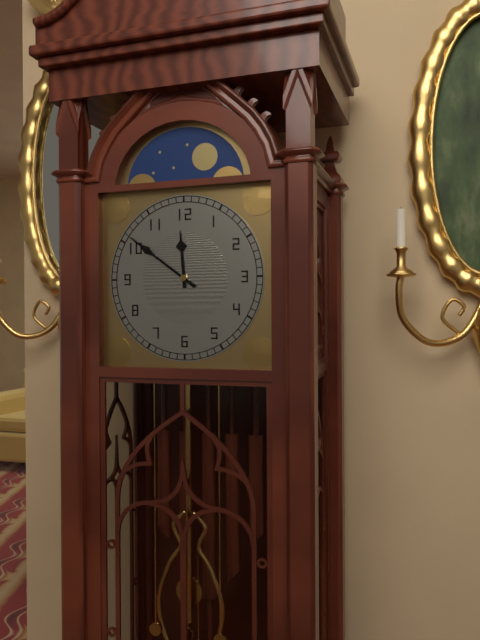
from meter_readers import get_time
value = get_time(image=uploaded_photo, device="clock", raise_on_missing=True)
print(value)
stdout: 11:51
